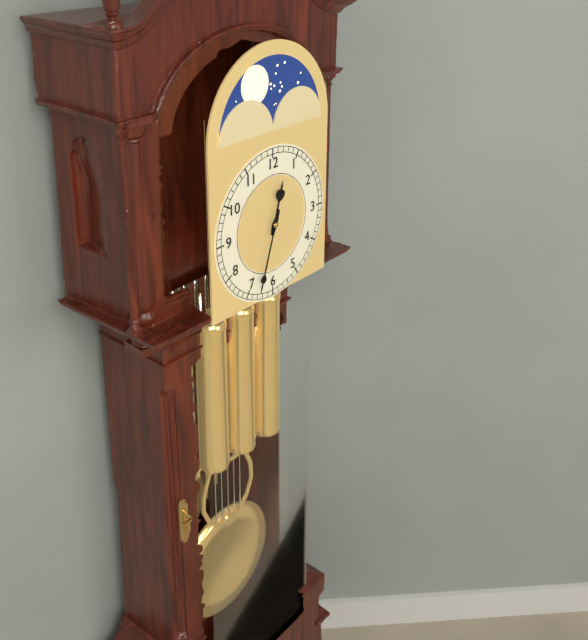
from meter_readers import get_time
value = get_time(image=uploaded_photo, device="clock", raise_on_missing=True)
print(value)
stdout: 12:33
